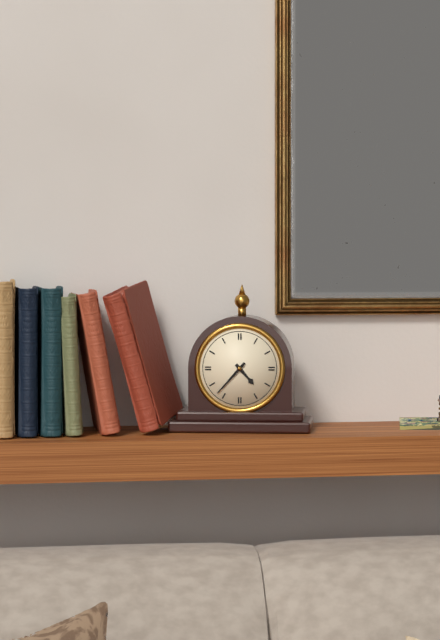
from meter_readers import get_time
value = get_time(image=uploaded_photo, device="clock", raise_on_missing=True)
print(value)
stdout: 4:37
